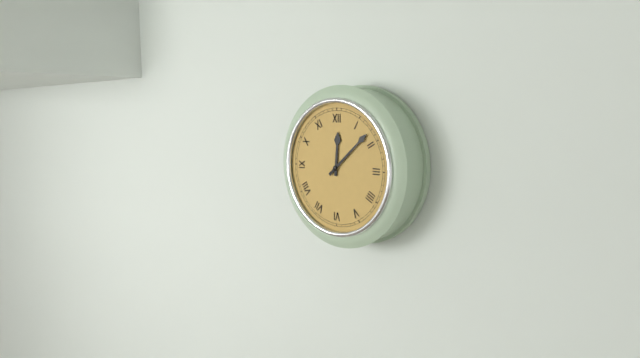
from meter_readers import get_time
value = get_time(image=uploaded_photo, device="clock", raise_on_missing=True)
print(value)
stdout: 12:08
